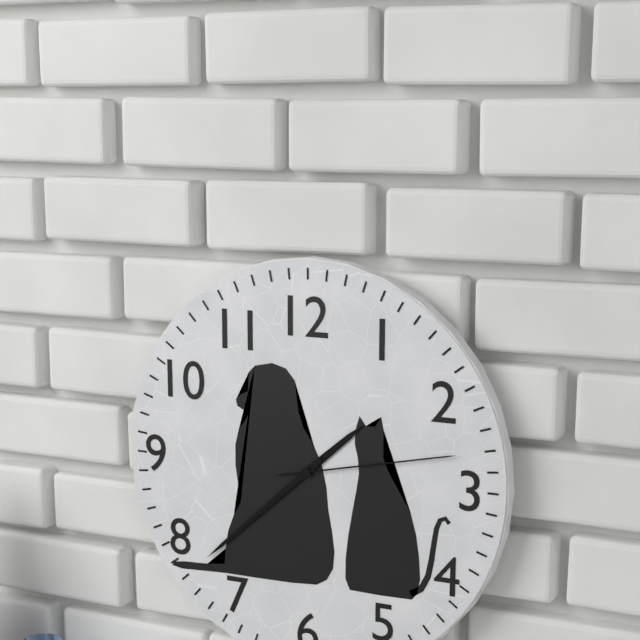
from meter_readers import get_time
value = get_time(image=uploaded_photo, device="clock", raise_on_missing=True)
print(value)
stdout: 1:38:13
